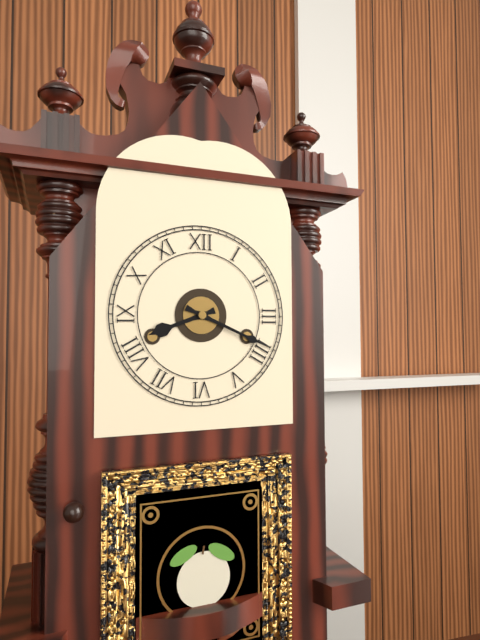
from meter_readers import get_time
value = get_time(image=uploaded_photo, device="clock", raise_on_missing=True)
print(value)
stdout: 8:19
